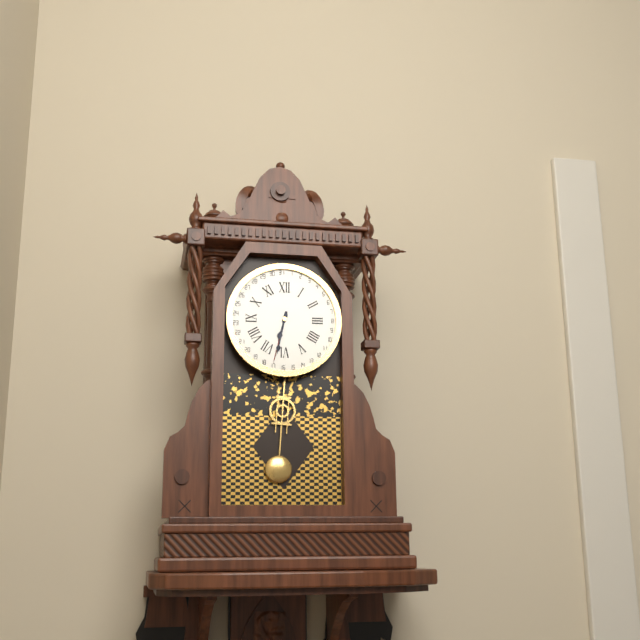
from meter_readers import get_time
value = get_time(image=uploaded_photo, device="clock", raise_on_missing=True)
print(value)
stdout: 6:32
